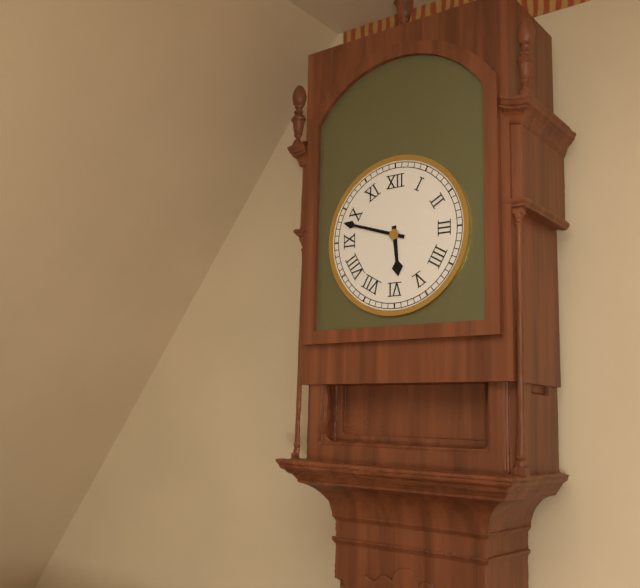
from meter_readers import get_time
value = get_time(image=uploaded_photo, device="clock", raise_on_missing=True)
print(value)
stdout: 5:48
